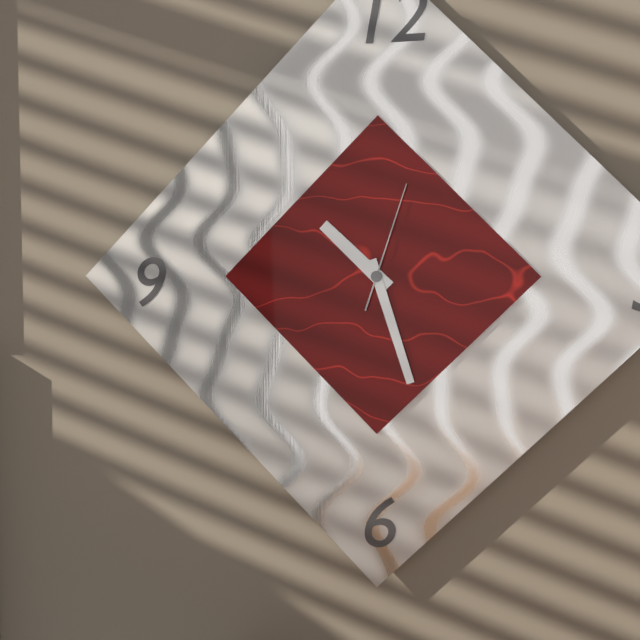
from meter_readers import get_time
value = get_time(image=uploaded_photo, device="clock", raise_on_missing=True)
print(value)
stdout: 10:27:03
